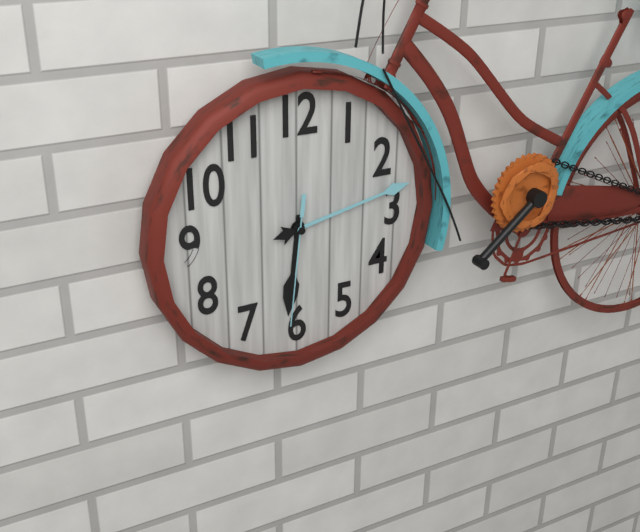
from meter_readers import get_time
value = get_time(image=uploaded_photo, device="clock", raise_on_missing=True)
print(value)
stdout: 6:13:31
